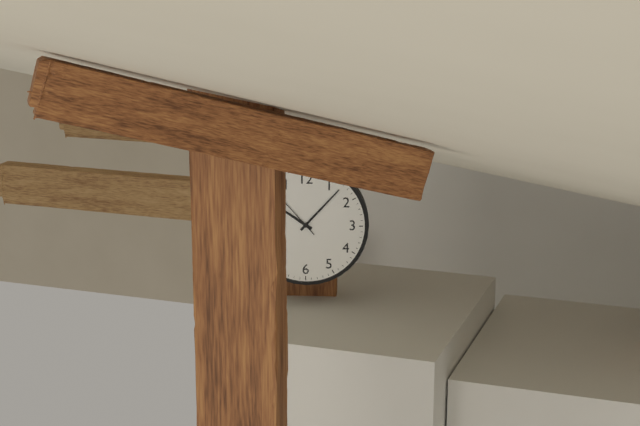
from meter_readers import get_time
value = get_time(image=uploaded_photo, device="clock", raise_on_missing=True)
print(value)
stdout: 10:07
